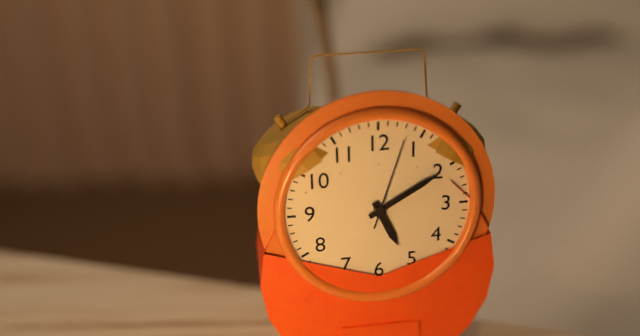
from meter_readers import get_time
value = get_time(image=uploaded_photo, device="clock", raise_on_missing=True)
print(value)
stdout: 5:10:03
